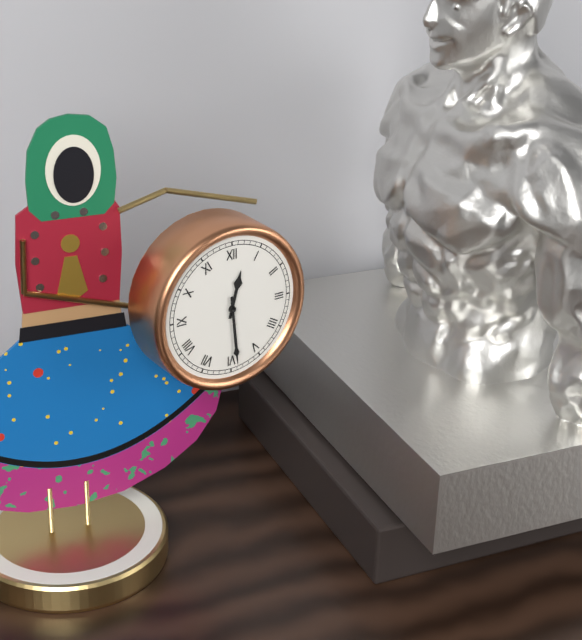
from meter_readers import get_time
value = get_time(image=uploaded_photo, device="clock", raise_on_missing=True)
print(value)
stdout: 12:29
